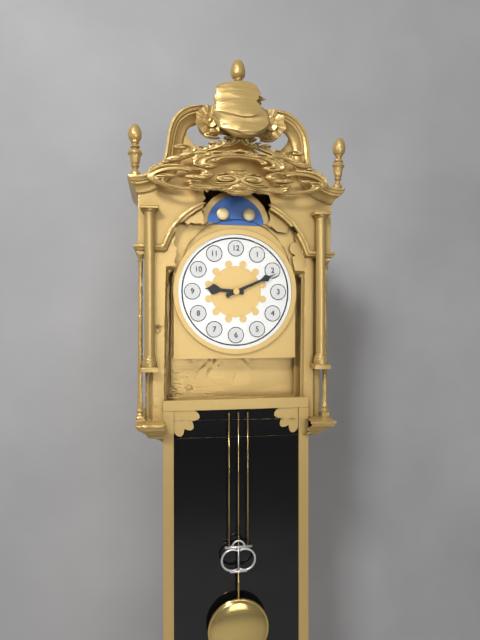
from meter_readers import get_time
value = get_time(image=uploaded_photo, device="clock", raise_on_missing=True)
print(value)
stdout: 9:11
